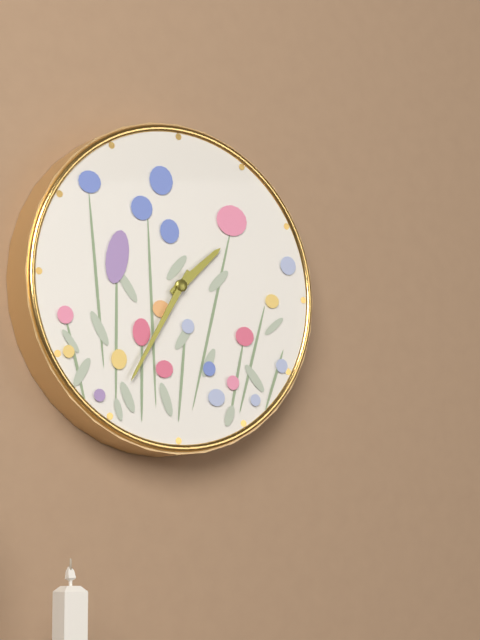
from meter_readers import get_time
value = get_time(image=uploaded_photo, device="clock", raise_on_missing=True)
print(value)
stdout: 1:35
